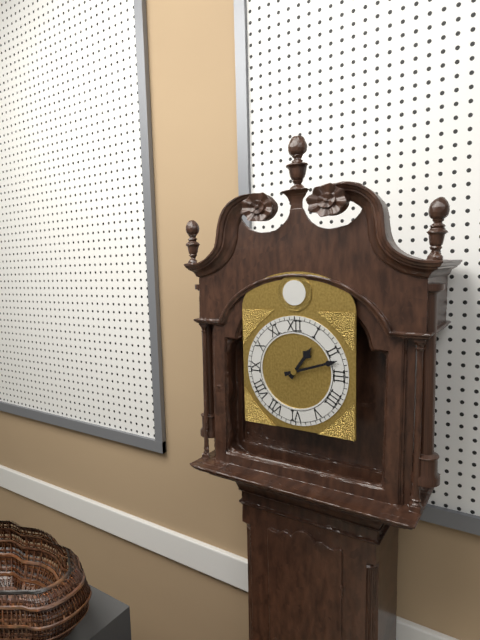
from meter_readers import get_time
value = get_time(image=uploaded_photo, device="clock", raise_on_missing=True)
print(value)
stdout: 1:12
